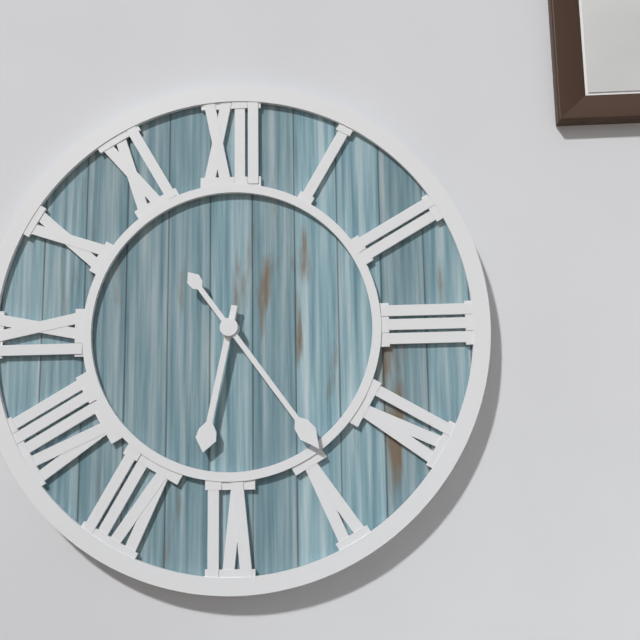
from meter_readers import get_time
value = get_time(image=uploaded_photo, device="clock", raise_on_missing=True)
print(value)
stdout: 6:24
